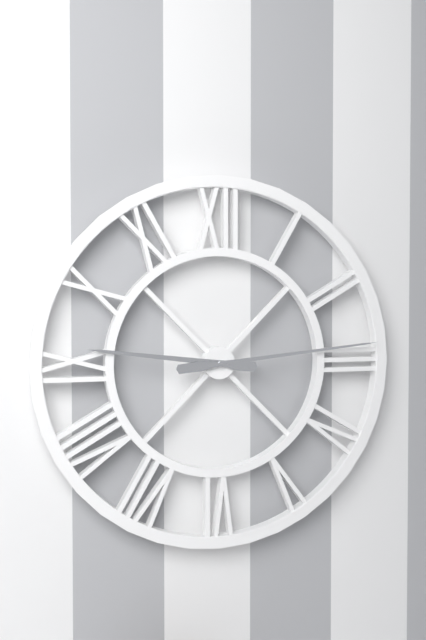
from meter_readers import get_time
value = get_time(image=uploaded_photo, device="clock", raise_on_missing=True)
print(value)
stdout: 9:14
